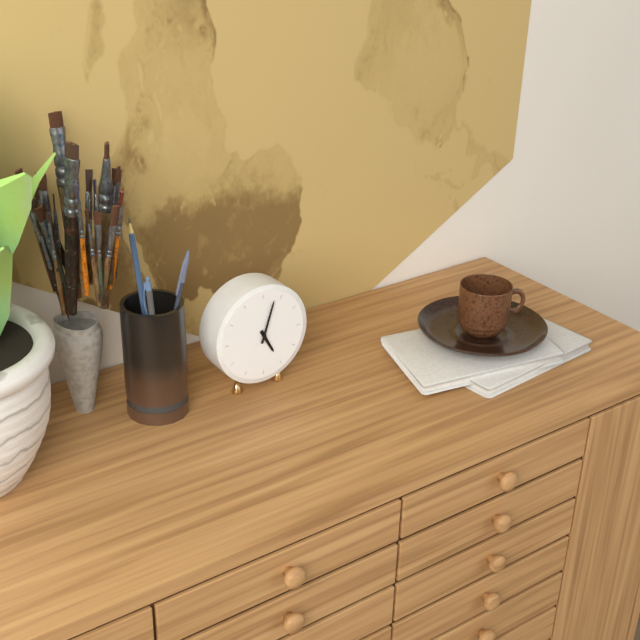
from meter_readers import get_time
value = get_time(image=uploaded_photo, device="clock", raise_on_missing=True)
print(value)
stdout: 5:03
